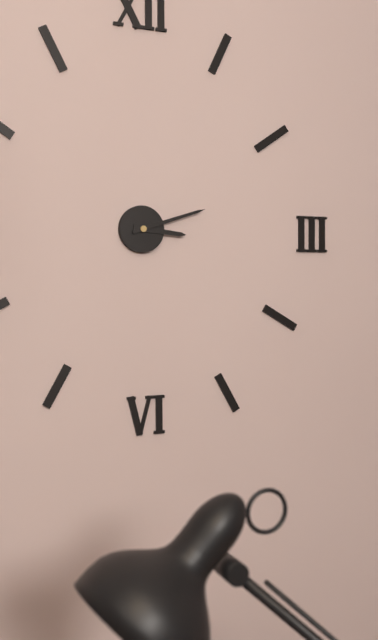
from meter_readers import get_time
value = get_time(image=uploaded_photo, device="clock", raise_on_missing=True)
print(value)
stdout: 3:12
